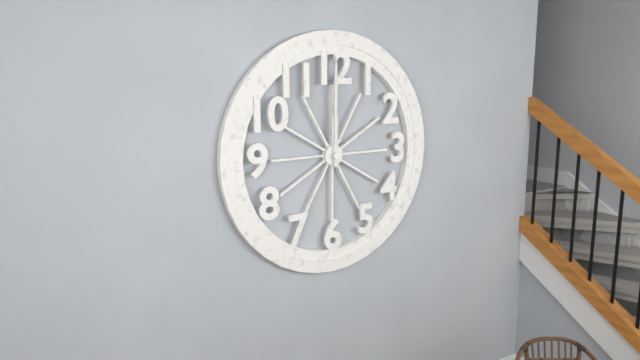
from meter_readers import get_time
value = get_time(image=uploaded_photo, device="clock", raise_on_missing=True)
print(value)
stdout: 12:00
